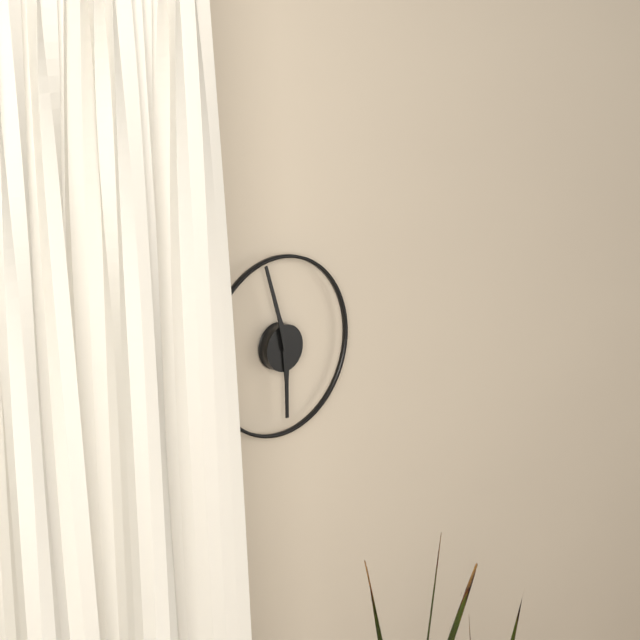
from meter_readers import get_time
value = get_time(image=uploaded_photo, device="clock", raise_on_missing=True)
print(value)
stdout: 5:57
